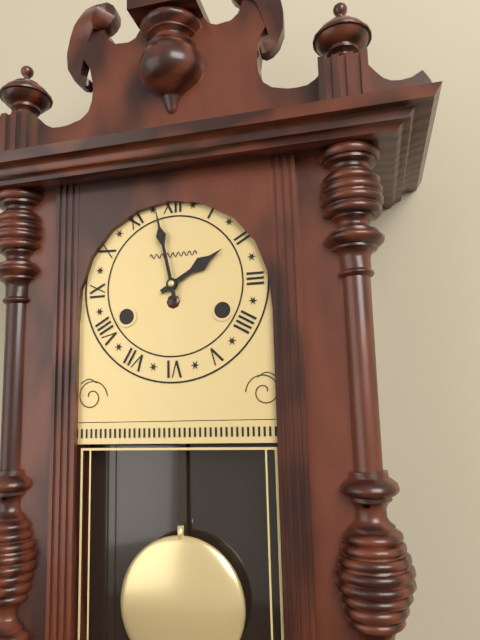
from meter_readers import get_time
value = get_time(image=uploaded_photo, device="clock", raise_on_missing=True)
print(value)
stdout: 1:58
